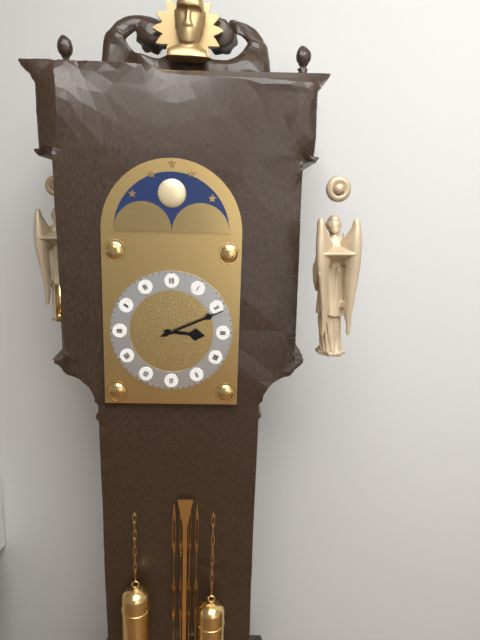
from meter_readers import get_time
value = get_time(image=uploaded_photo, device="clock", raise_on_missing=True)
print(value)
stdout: 3:11
